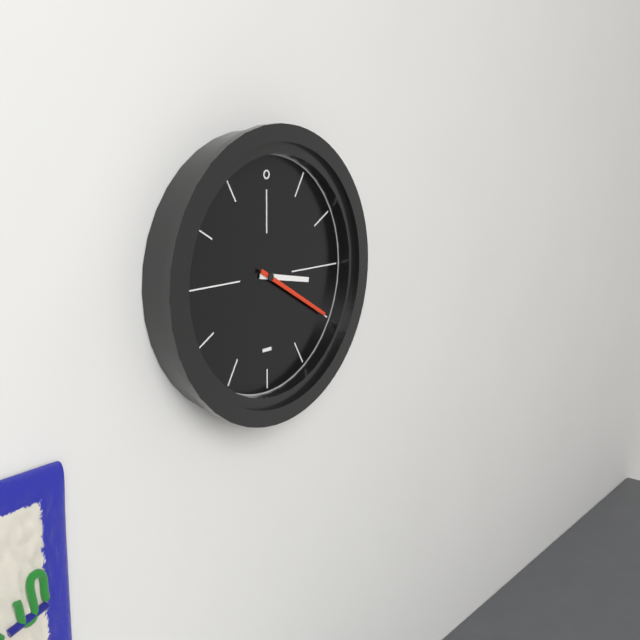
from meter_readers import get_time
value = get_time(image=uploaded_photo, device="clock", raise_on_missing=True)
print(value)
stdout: 3:20
